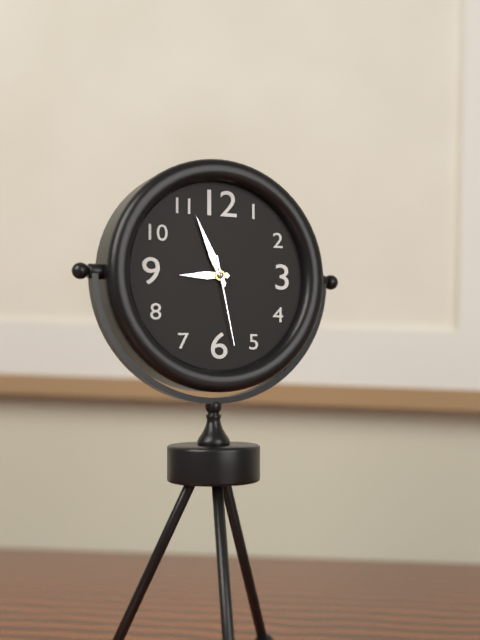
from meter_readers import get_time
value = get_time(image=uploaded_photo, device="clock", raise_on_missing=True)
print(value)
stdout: 8:56:28
